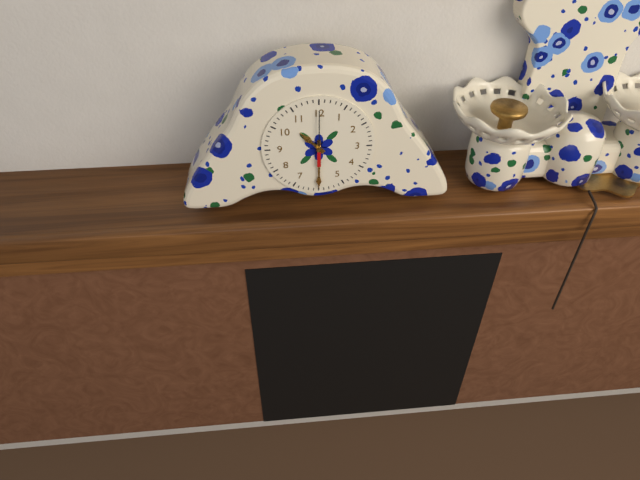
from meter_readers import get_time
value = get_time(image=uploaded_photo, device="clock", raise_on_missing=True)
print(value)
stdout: 10:30
